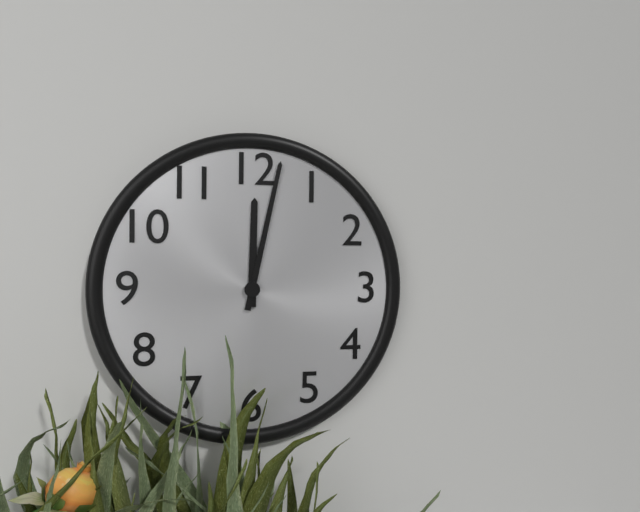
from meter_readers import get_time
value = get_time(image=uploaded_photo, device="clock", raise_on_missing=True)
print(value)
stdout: 12:02
